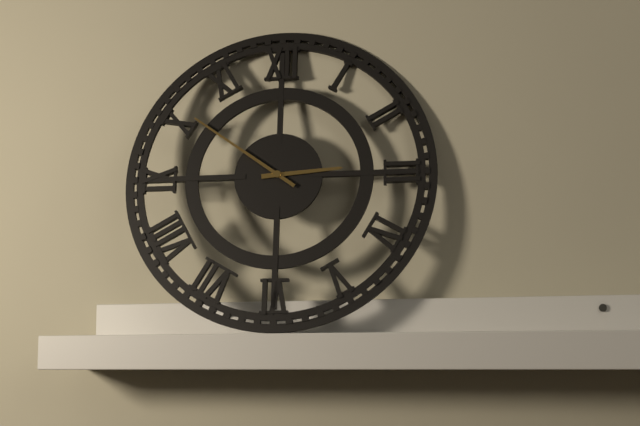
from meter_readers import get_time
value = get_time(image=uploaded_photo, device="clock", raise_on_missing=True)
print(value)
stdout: 2:51
